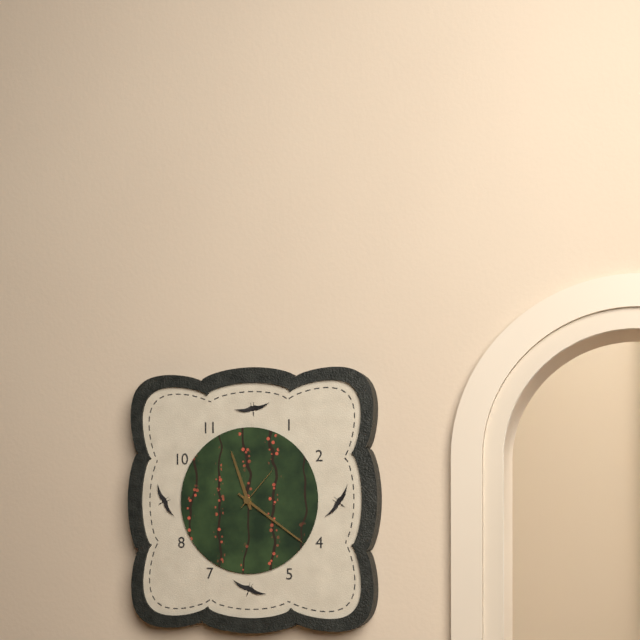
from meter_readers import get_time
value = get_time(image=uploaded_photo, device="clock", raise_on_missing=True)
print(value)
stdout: 11:21:07
